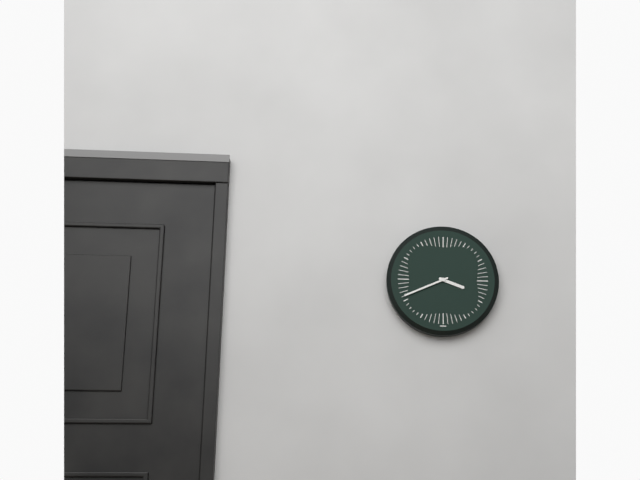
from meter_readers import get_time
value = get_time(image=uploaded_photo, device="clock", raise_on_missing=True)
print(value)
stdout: 3:41
